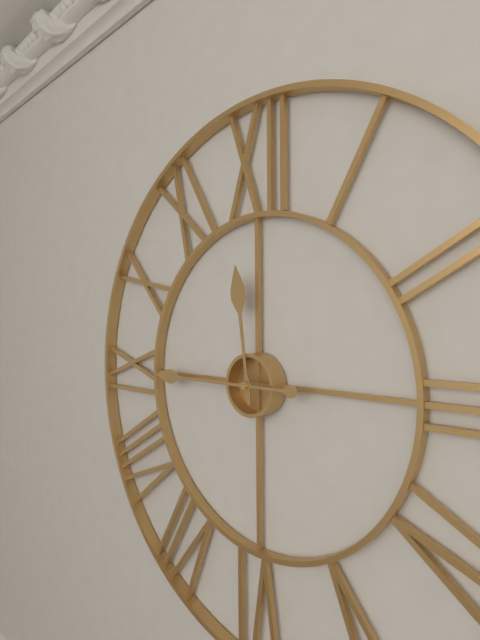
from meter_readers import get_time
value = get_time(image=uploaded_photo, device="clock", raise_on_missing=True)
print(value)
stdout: 11:45
